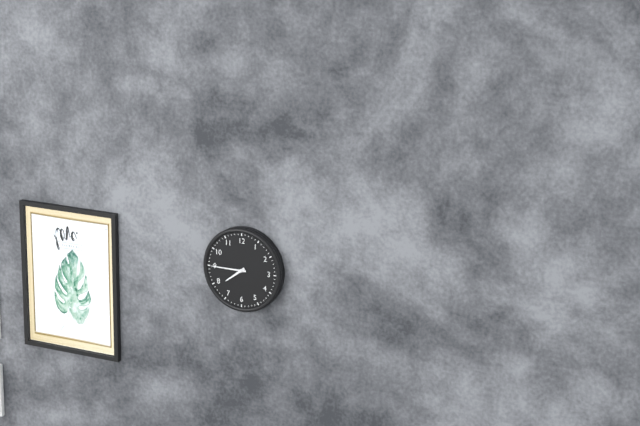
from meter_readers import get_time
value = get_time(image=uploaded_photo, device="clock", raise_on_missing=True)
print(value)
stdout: 7:45
